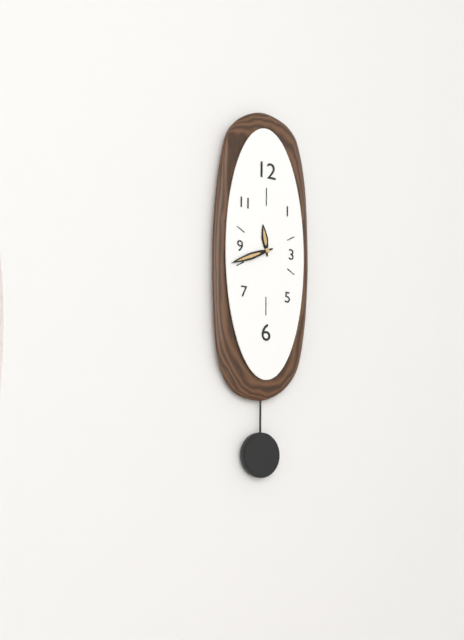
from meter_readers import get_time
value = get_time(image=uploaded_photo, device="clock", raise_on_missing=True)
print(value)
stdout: 11:41
